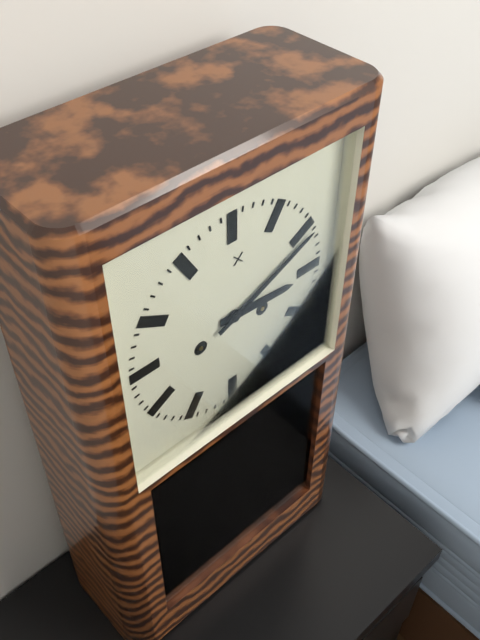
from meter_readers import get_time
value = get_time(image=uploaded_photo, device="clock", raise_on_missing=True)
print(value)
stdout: 3:11
